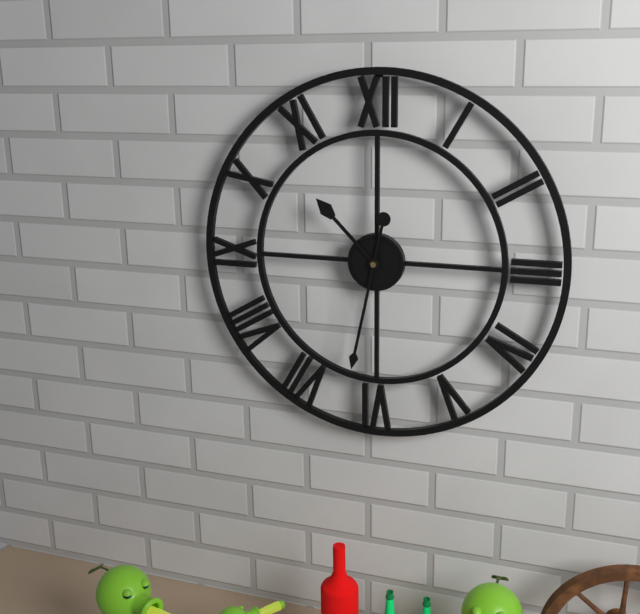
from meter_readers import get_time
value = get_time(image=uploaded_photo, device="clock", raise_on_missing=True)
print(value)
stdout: 10:32
